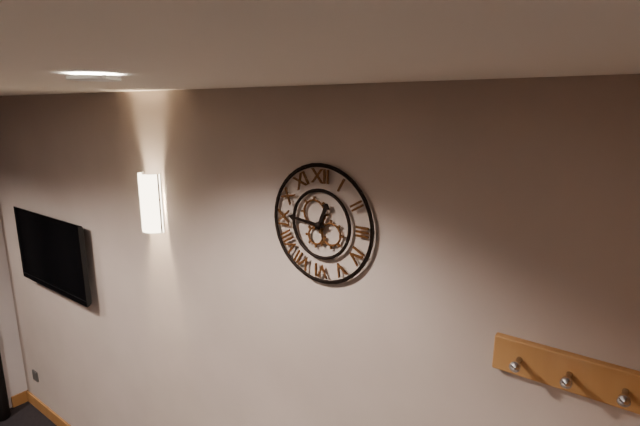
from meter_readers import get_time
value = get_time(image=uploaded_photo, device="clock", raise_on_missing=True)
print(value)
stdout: 12:46
